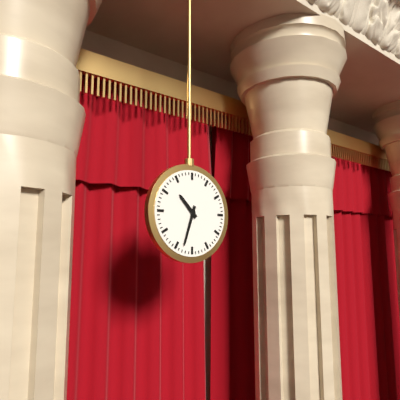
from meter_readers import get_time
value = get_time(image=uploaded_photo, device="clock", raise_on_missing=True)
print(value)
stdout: 10:33
